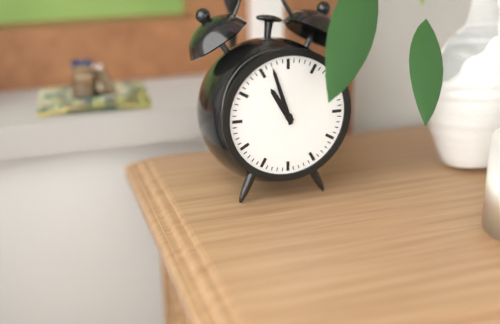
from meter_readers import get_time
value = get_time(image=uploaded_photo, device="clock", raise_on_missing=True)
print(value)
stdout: 10:57
